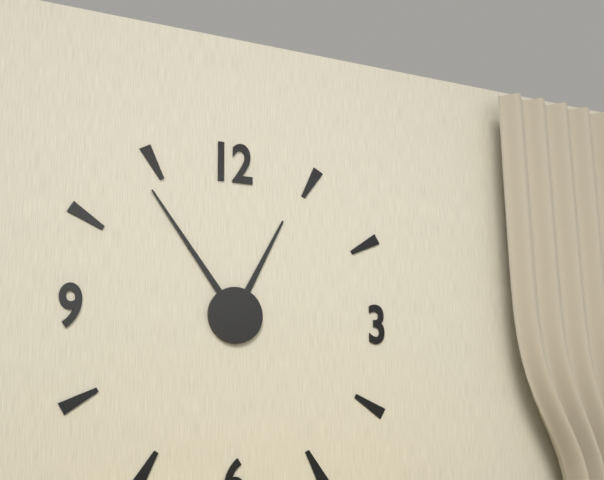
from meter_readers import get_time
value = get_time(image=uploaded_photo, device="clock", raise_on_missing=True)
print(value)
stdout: 12:54
